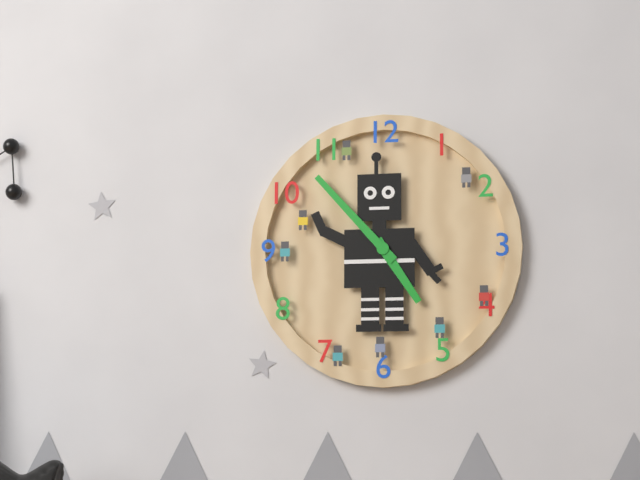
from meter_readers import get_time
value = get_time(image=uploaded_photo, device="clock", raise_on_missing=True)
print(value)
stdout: 4:53
